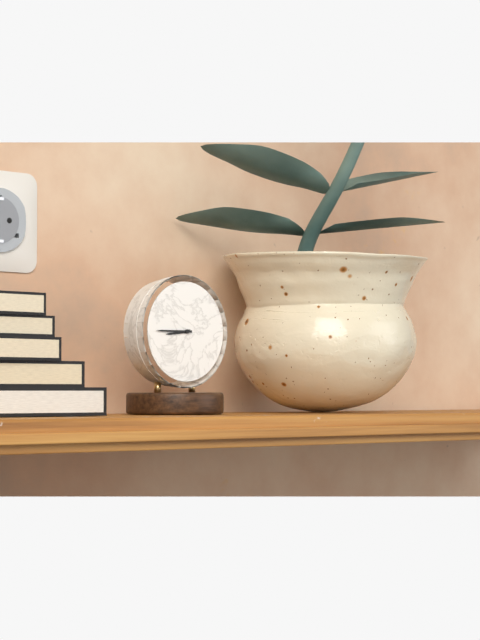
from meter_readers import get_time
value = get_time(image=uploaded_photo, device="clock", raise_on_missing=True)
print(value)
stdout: 8:45
